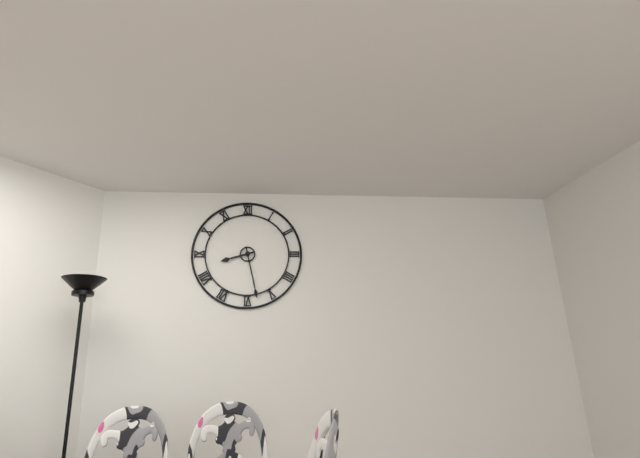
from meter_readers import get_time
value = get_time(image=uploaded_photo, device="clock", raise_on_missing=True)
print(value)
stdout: 8:28
